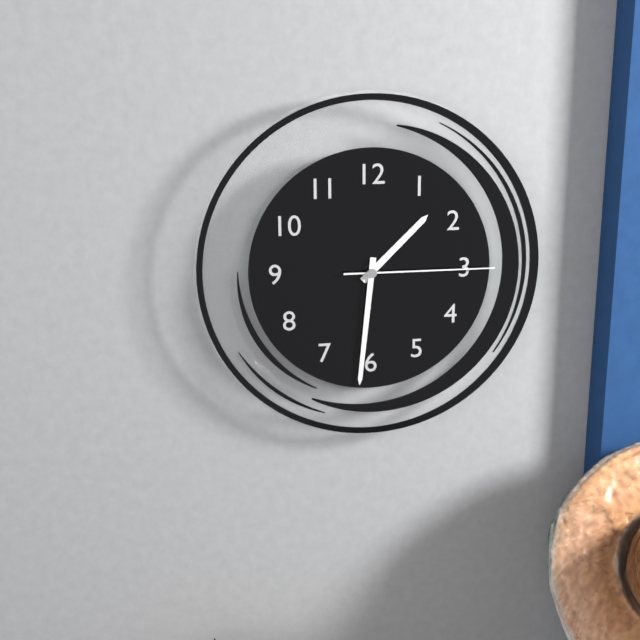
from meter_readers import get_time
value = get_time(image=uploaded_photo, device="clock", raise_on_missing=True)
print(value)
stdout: 1:31:15
